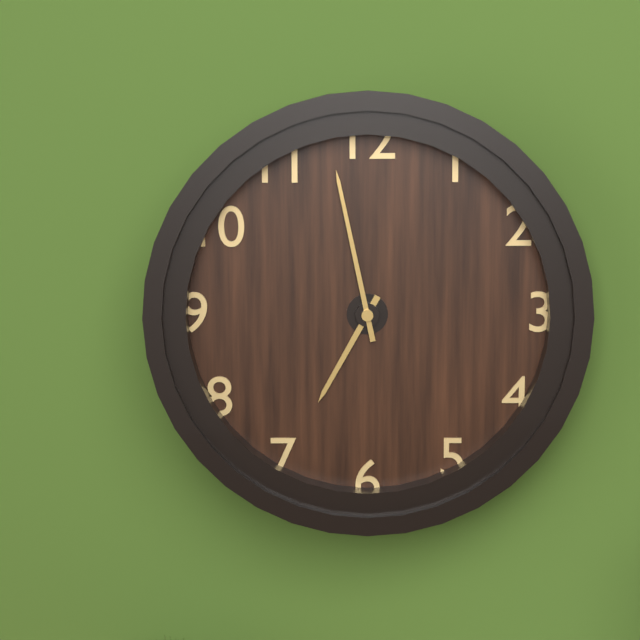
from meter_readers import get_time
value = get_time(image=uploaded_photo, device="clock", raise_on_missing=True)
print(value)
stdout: 6:58
